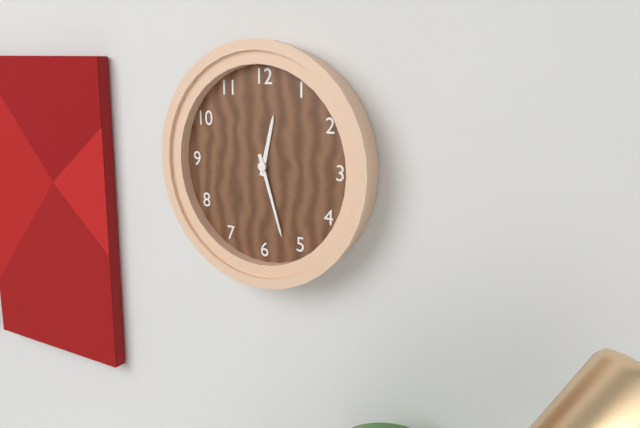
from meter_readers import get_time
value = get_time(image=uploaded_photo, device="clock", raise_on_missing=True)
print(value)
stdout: 12:27
